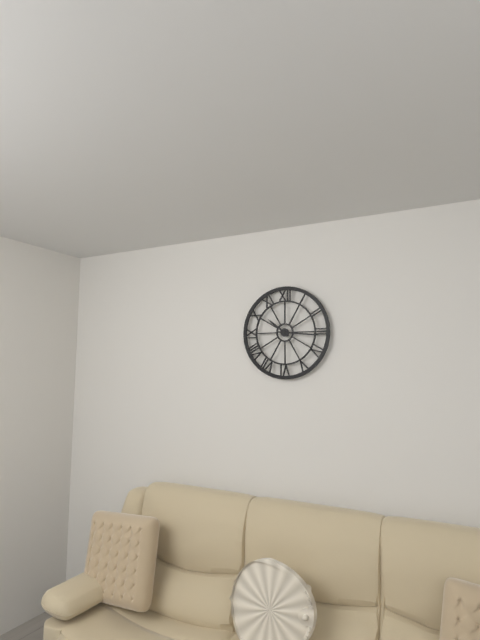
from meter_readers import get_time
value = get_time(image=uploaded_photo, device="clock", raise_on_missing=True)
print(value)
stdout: 10:16
